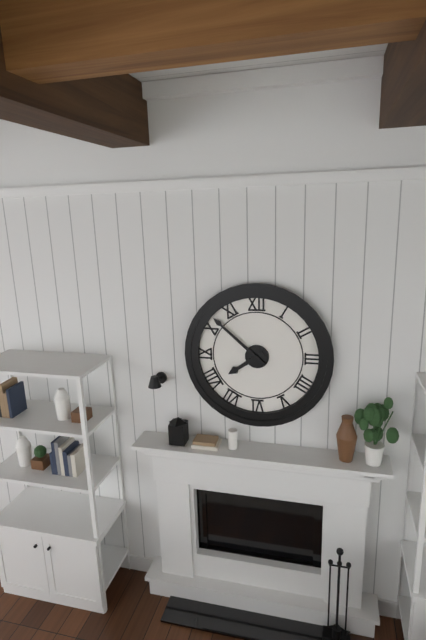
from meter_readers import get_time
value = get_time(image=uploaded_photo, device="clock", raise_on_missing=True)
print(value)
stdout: 7:52
